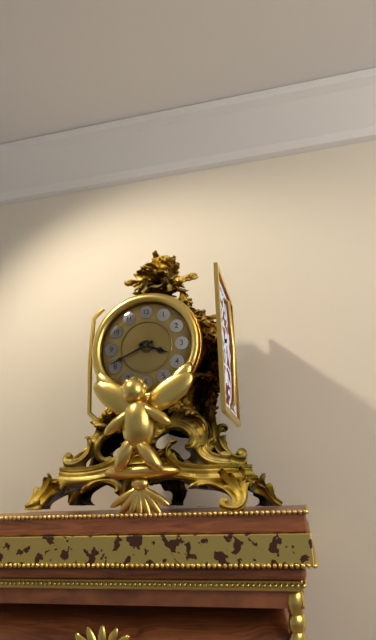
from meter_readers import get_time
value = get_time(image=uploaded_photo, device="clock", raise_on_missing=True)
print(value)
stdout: 3:41
